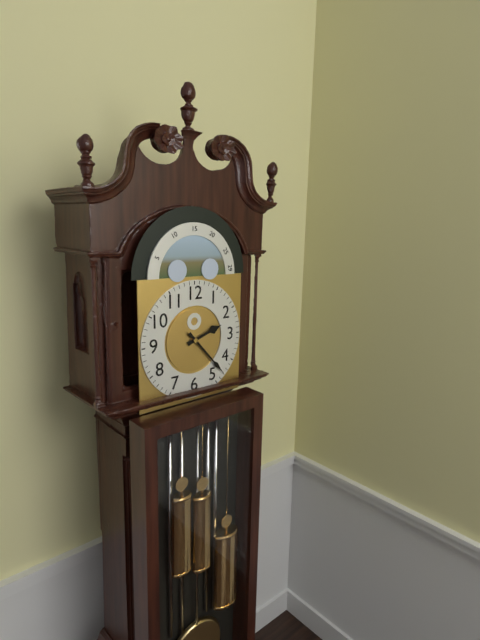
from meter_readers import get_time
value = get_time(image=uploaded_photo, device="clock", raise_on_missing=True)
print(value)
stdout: 2:23
